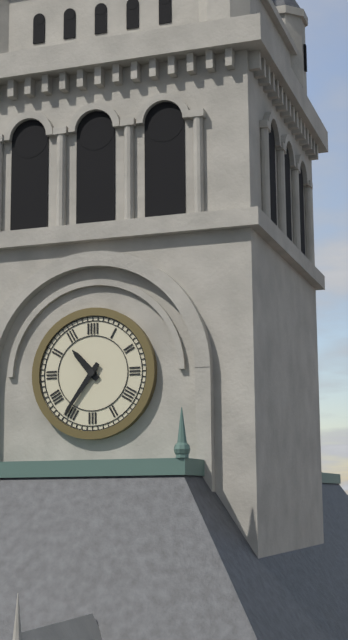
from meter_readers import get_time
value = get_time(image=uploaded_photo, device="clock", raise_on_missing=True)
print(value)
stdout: 10:36
